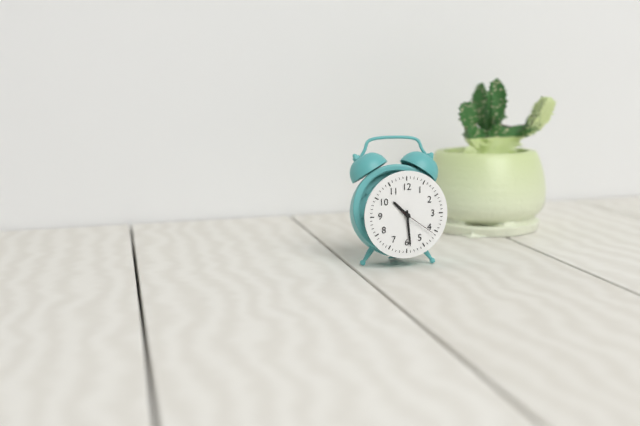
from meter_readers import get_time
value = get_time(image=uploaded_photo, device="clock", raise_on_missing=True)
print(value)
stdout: 10:29
